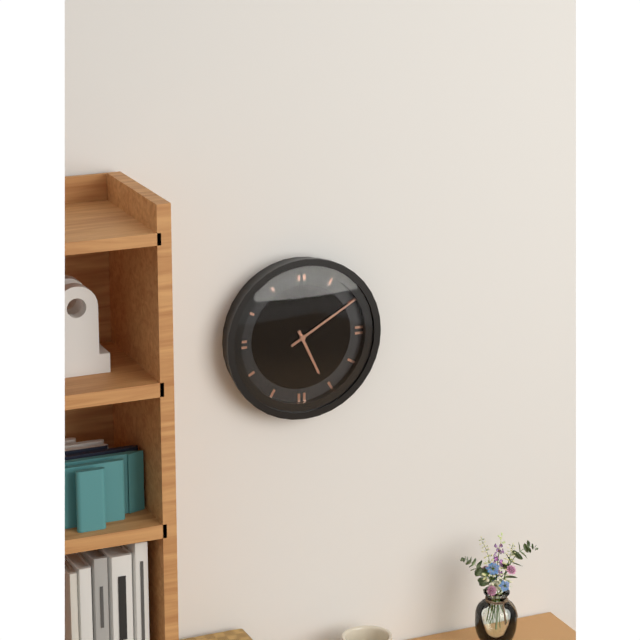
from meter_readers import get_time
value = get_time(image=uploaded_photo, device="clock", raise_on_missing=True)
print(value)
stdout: 5:10
